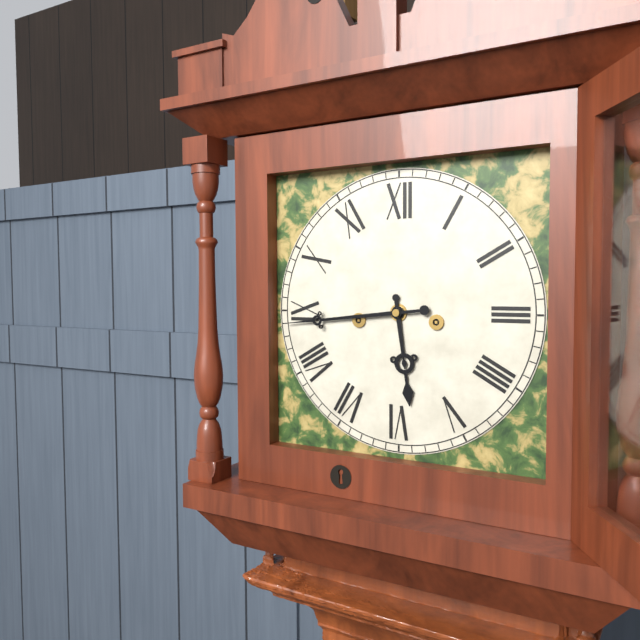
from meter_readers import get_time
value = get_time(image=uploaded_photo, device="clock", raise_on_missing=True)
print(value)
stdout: 5:44
